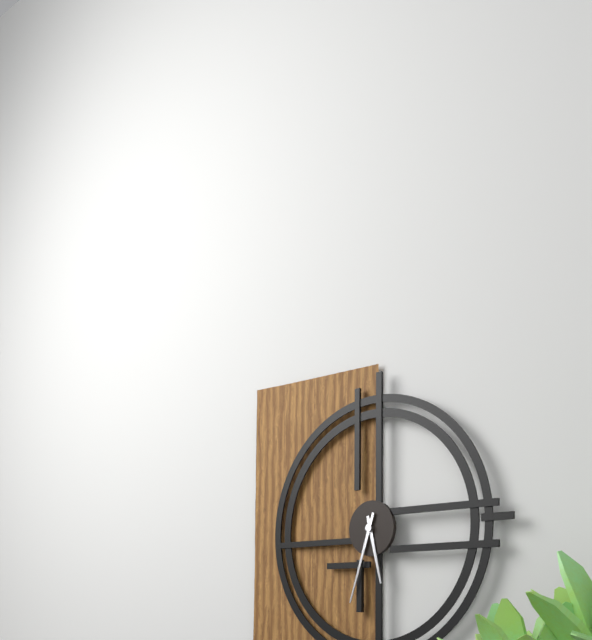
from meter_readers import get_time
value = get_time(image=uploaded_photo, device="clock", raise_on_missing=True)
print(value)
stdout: 5:33
